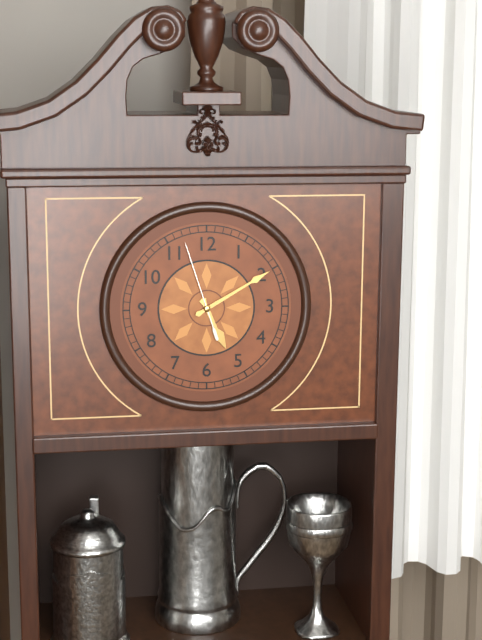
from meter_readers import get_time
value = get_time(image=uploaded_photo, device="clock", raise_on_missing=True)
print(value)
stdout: 5:10:57
